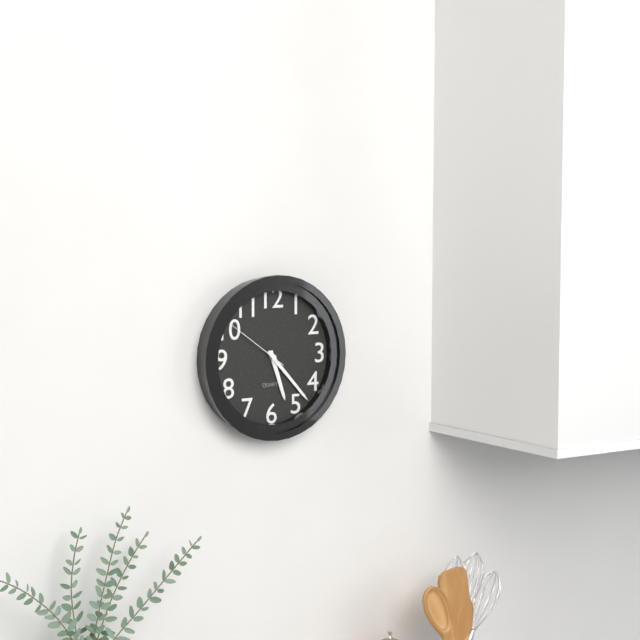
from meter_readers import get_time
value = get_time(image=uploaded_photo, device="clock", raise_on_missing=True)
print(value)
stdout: 5:23:51
